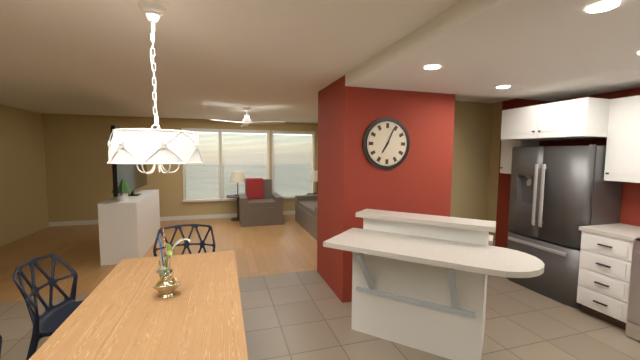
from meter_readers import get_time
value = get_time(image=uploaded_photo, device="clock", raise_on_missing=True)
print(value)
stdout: 7:04
